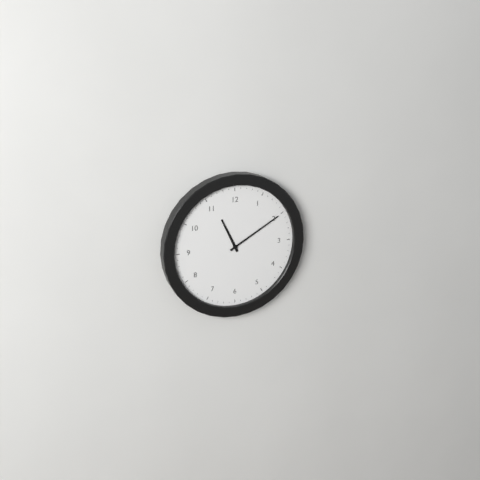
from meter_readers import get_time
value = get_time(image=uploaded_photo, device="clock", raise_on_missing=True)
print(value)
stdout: 11:10
